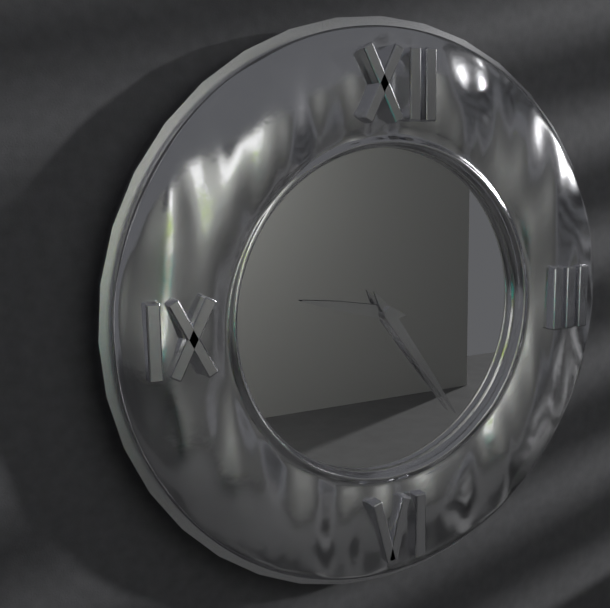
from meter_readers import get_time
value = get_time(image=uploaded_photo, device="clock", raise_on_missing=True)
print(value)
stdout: 9:24
